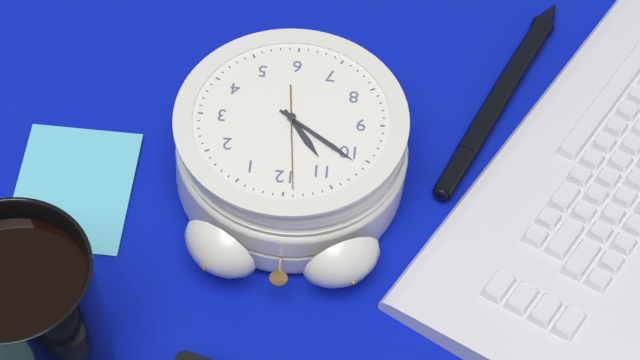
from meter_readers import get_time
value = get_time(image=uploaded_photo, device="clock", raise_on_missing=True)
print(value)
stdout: 10:51:59
